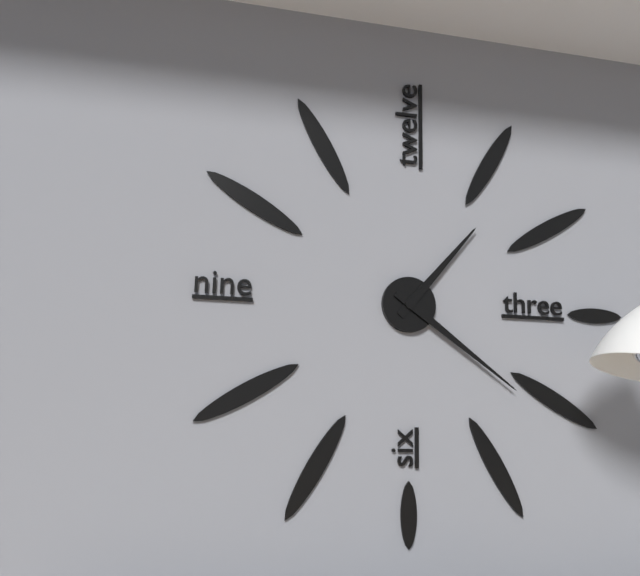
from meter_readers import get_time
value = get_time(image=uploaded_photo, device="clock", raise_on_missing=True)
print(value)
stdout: 1:21
